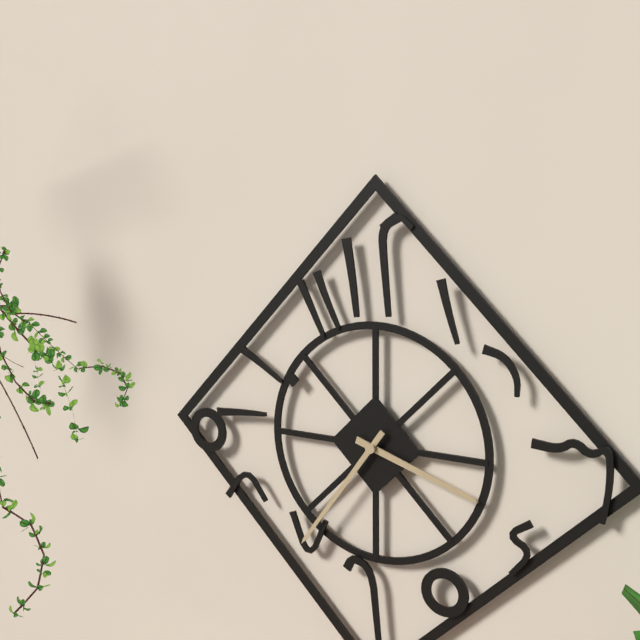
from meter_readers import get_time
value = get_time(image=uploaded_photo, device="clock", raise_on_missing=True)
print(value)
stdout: 3:36
